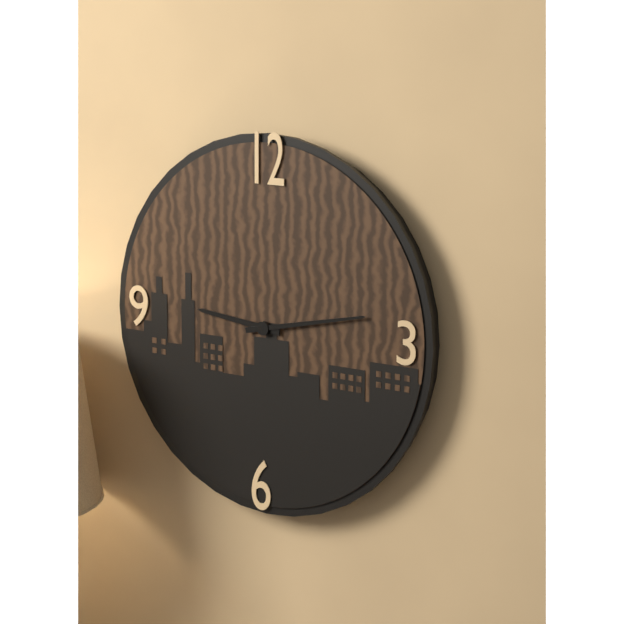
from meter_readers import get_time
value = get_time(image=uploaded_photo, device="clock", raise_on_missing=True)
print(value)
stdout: 9:13
